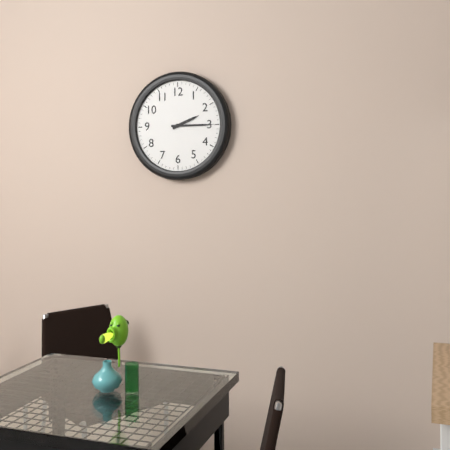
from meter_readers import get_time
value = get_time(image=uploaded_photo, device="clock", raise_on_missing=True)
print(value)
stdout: 2:15
